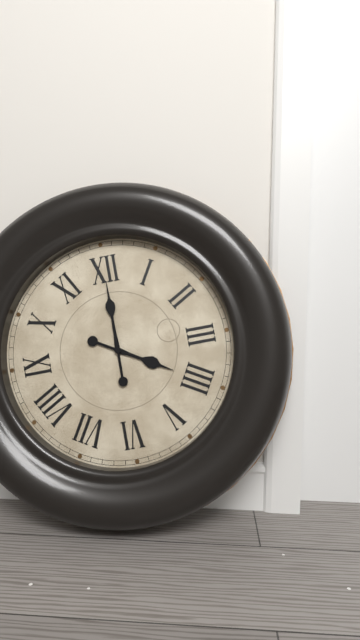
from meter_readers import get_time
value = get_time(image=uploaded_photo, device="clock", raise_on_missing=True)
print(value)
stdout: 4:00
